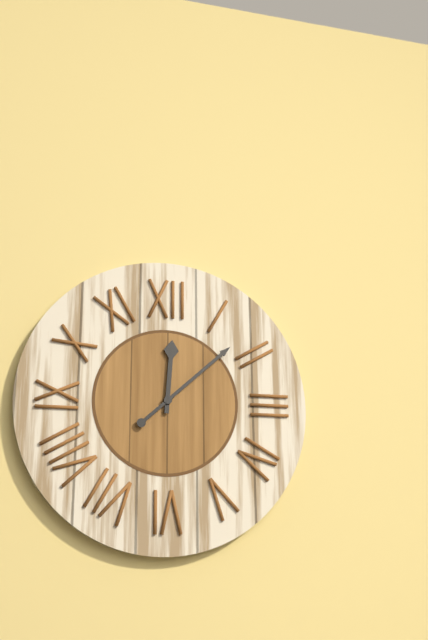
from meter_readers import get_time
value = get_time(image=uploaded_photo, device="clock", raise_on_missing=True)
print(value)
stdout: 12:08
